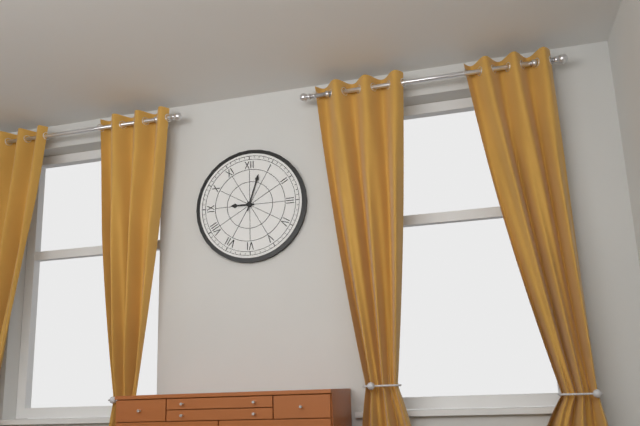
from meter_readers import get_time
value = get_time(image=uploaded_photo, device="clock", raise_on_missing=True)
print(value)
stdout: 9:03
